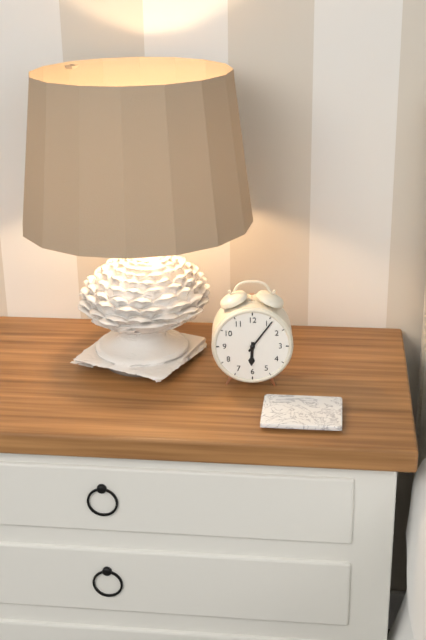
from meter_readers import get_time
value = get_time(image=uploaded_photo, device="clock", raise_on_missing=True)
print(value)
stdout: 6:06
